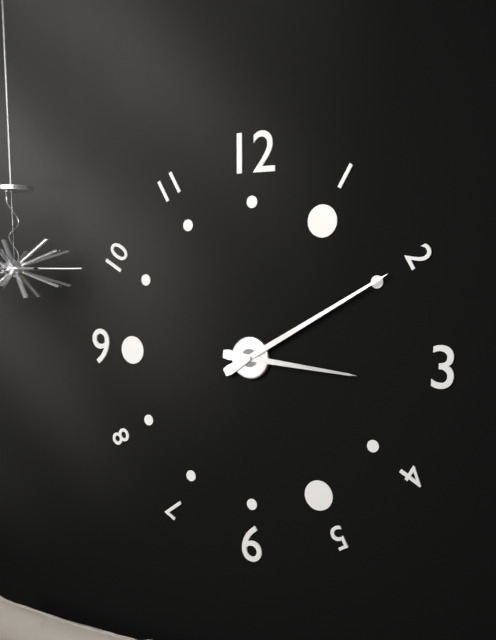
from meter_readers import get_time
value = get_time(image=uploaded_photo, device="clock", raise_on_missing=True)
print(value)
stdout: 3:10
